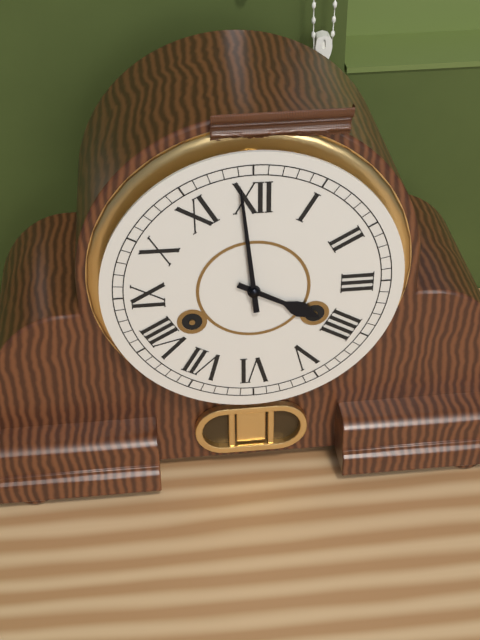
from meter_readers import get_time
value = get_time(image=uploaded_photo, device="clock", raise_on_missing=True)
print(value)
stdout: 3:59
